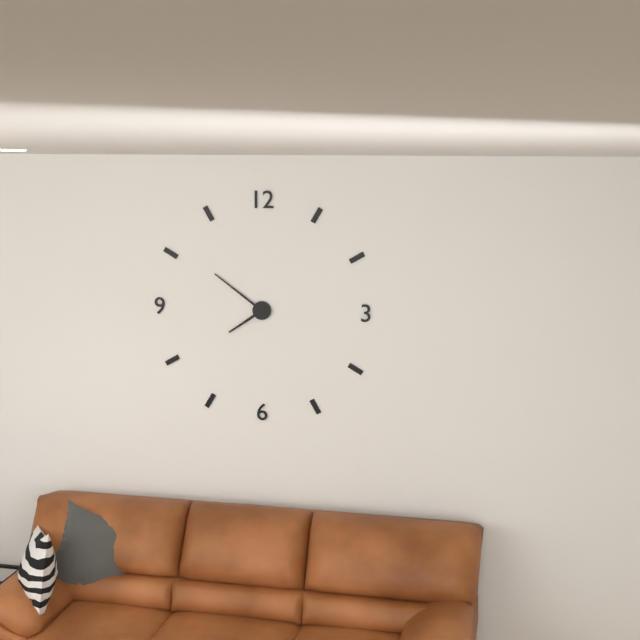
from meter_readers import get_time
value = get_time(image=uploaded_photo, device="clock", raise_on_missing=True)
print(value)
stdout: 7:51
